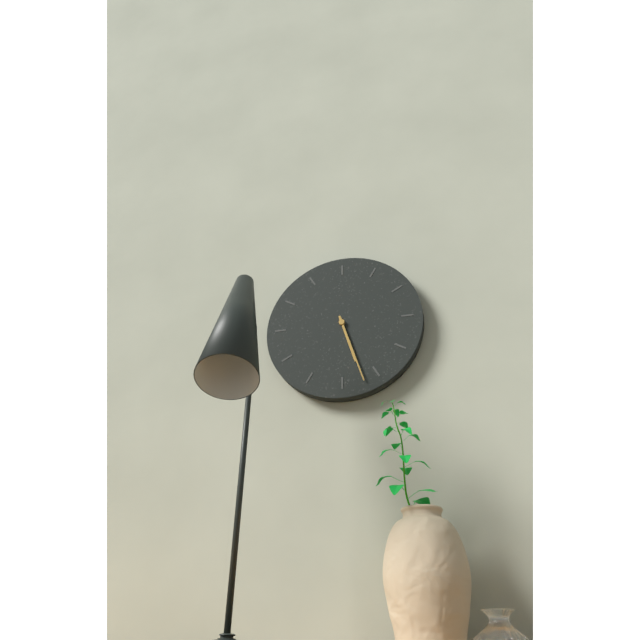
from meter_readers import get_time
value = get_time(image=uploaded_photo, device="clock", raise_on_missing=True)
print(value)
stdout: 5:27
